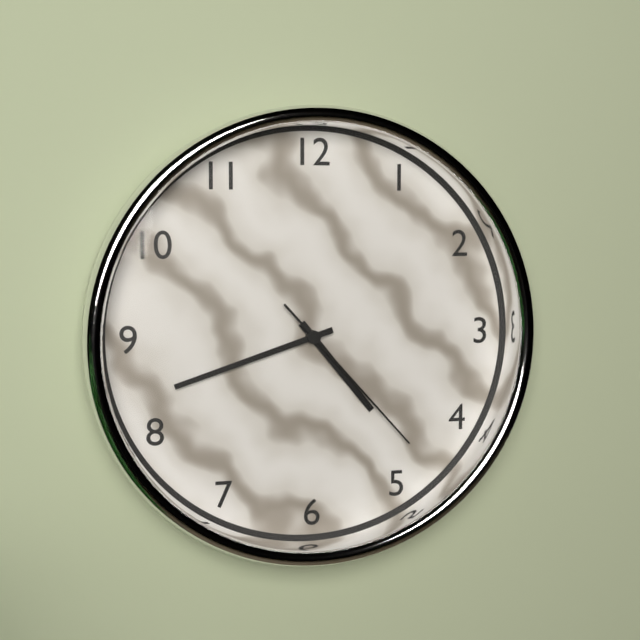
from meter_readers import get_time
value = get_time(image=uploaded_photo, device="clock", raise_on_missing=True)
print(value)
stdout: 4:42:23
